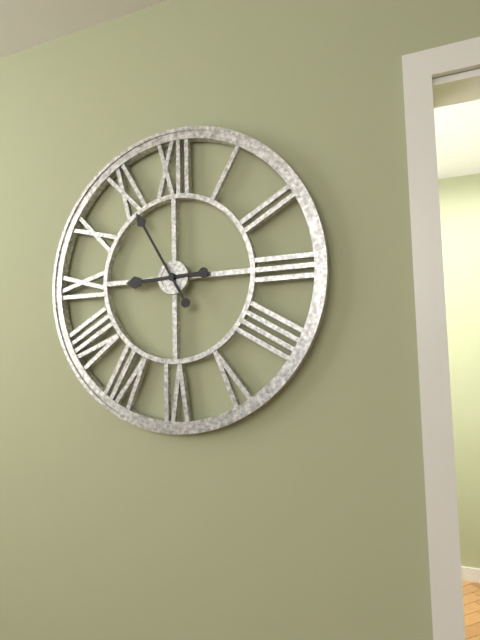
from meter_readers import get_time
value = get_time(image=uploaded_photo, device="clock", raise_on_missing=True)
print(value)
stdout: 8:55
